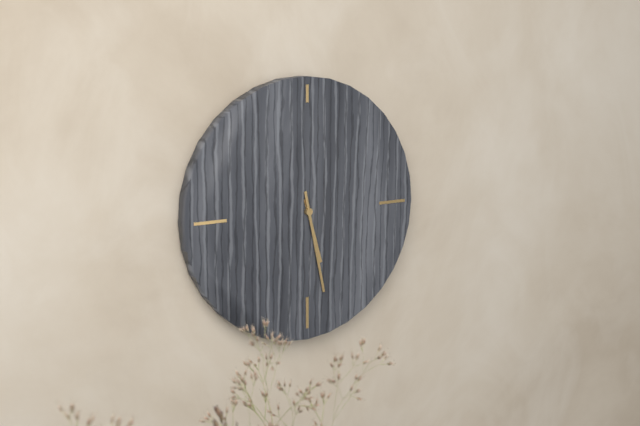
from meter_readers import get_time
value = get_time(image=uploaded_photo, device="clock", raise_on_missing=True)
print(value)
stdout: 5:28
